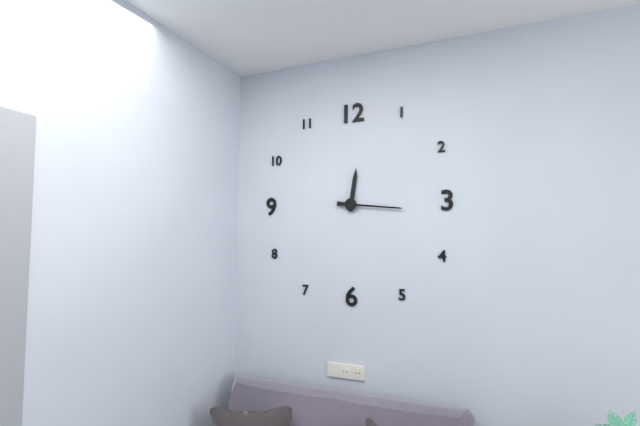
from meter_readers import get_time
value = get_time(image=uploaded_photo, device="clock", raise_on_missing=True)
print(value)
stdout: 12:16
